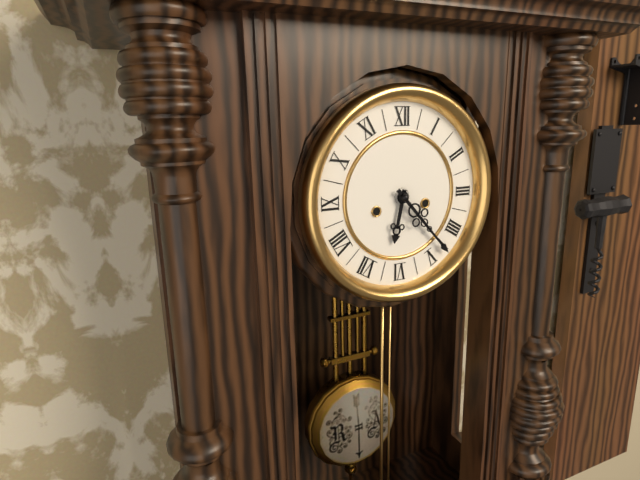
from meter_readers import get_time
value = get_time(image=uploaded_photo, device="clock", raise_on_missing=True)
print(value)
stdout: 6:23
